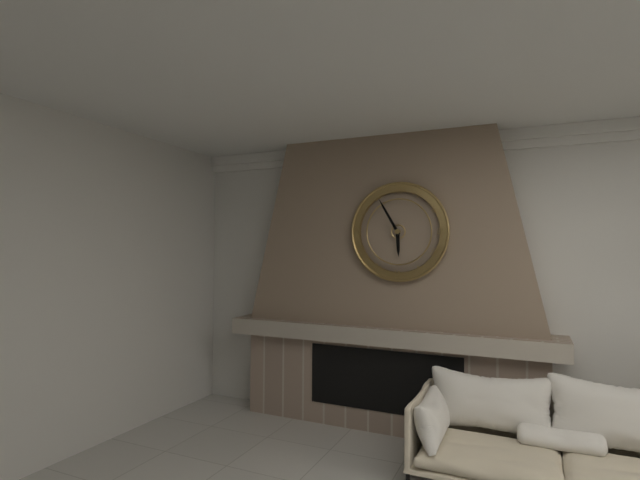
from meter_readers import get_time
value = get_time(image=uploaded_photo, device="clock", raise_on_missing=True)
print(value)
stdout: 5:55
